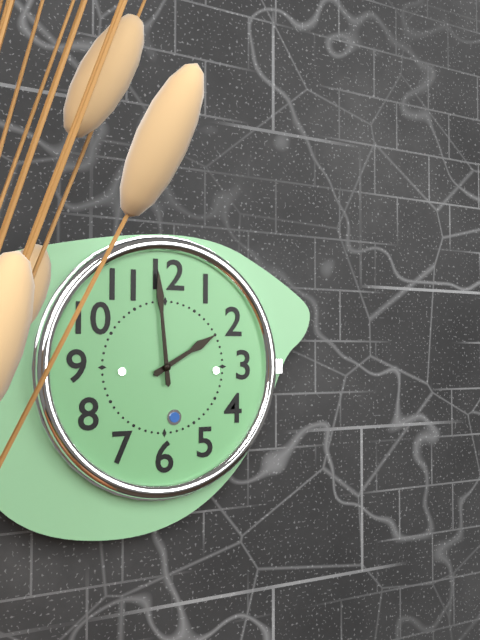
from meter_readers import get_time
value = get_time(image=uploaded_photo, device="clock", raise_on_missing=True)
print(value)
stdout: 1:59
